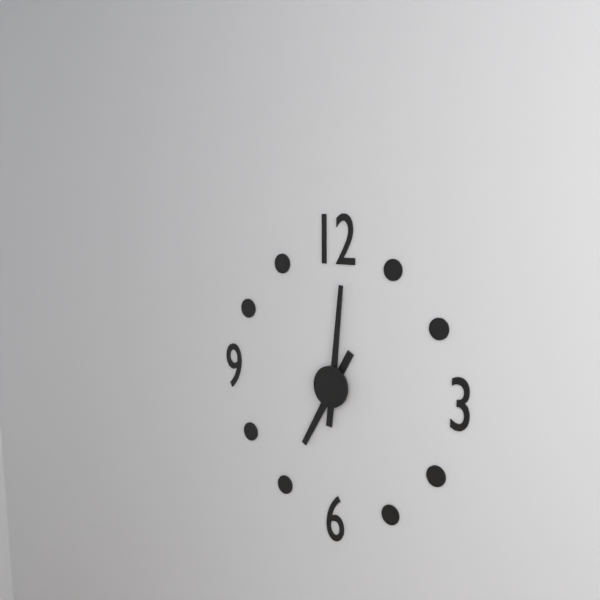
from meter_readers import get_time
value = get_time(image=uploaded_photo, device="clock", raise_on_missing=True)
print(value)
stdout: 7:01
